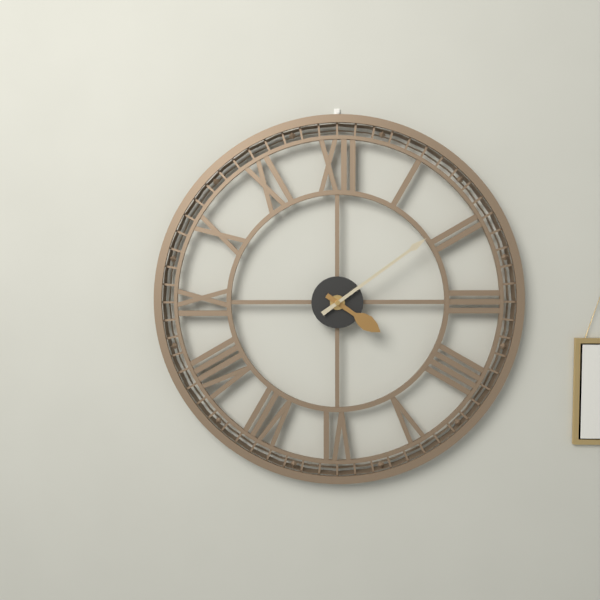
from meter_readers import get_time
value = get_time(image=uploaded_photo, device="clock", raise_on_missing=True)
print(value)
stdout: 4:09
